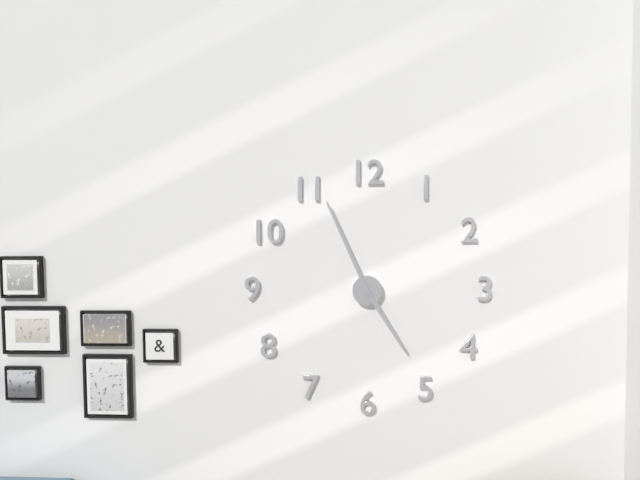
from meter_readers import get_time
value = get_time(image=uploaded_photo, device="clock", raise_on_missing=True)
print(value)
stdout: 4:56
